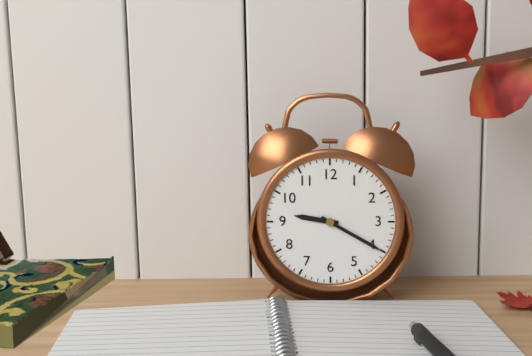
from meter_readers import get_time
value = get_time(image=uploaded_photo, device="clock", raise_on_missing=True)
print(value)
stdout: 9:20
